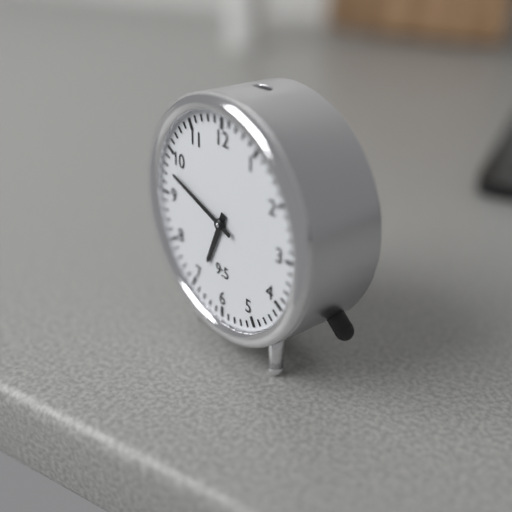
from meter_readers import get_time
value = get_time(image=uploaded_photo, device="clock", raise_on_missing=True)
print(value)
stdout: 6:48
